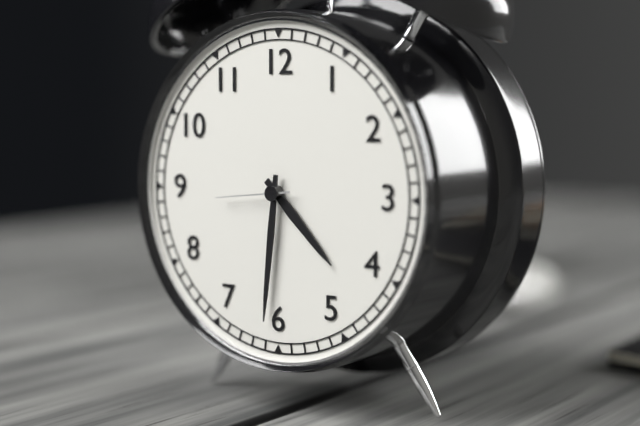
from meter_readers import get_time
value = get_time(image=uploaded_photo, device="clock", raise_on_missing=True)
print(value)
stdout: 4:31:44
